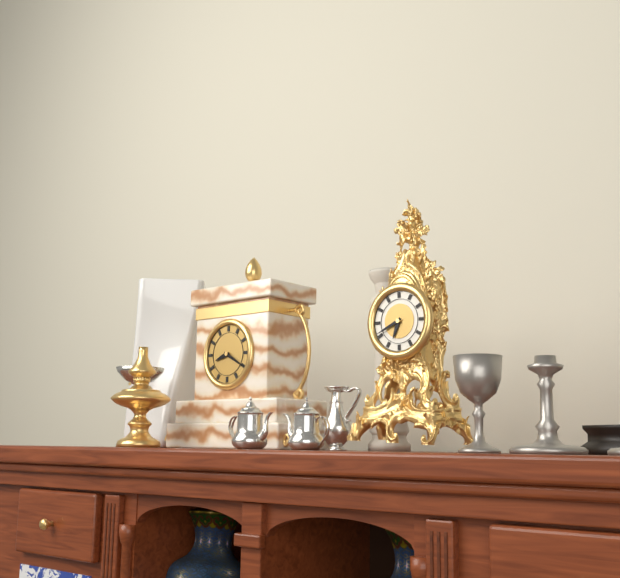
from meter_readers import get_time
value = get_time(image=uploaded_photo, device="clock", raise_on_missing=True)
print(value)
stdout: 6:41
